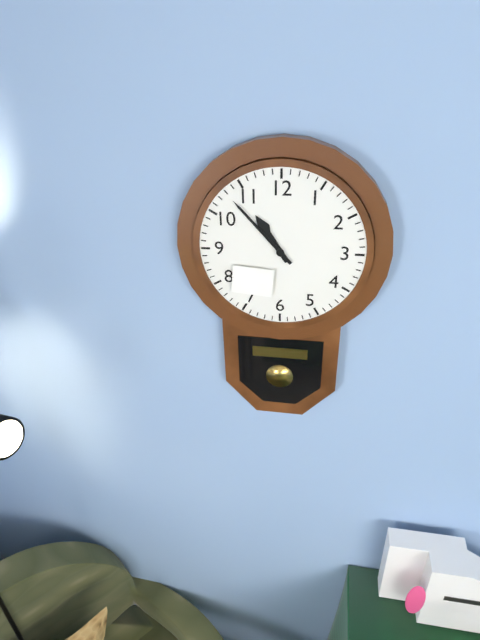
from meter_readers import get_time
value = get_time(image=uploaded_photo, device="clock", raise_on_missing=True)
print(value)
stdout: 10:53
